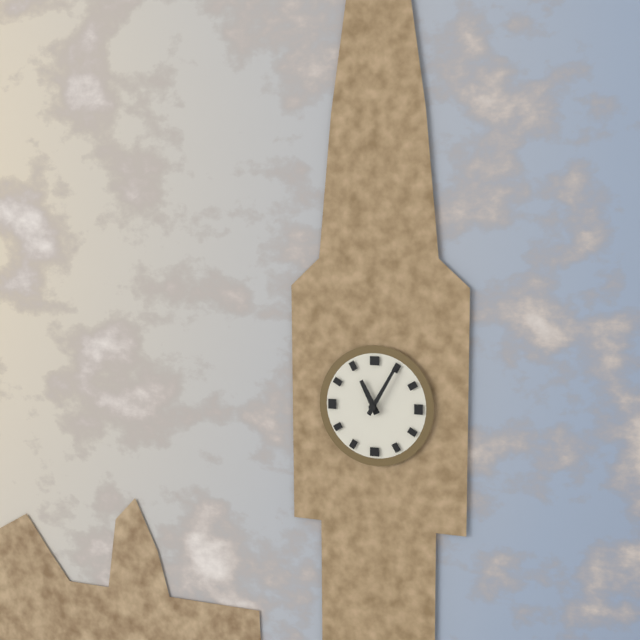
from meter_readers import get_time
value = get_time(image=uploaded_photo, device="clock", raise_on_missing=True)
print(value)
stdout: 11:05
